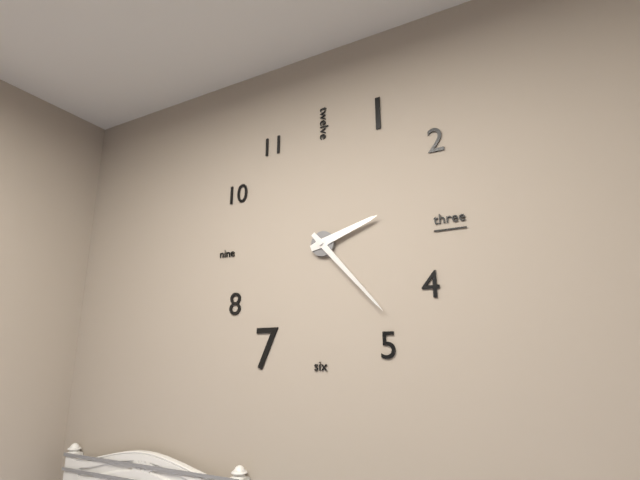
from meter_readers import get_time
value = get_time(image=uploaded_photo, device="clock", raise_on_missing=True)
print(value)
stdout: 2:23
